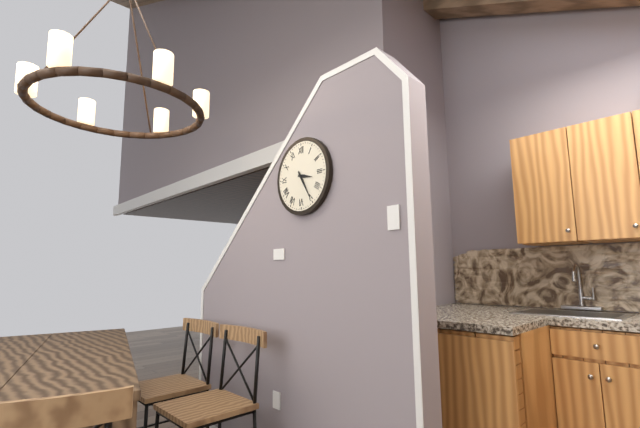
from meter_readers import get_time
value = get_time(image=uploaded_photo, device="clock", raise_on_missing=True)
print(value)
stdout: 3:25
